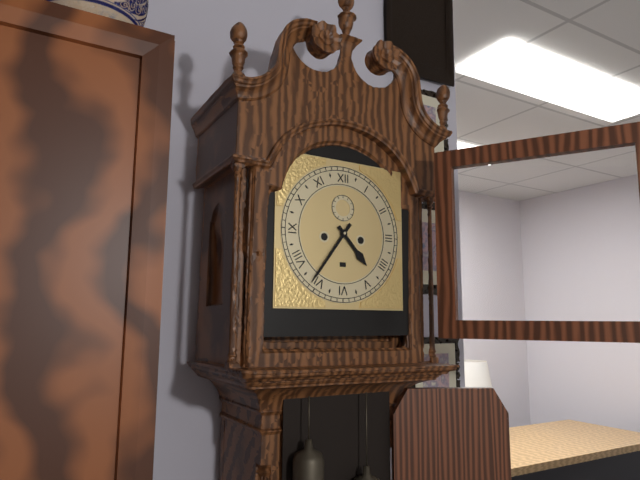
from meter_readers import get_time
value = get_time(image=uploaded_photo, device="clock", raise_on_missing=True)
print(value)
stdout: 4:36
